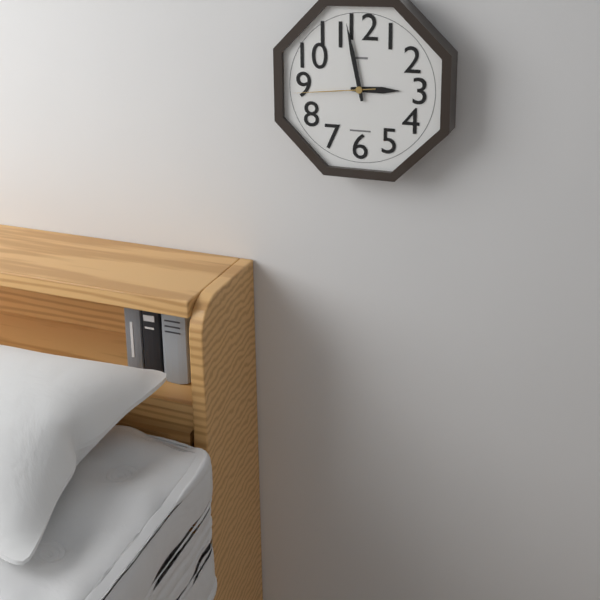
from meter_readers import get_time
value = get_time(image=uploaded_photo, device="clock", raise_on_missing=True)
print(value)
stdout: 2:58:44
